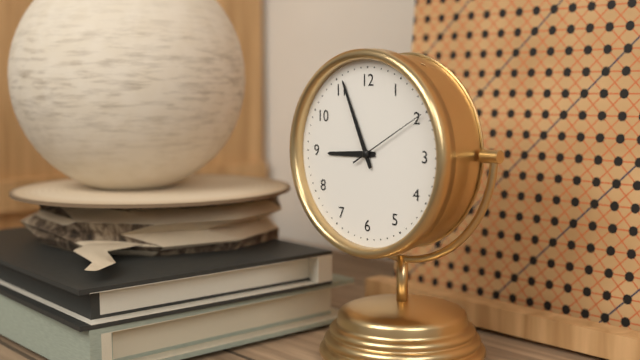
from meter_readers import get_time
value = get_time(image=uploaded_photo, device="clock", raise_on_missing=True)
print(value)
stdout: 8:56:10
